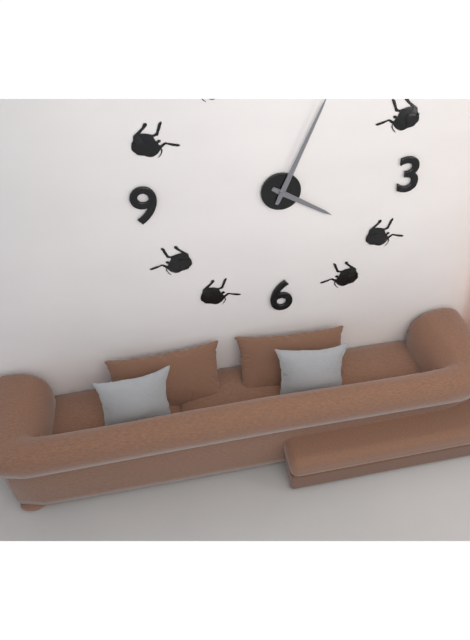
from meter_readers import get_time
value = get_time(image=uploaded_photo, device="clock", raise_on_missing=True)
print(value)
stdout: 4:04
